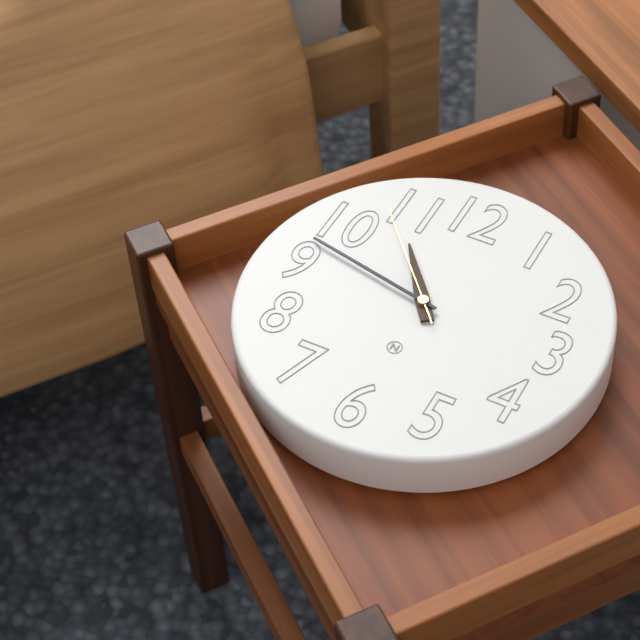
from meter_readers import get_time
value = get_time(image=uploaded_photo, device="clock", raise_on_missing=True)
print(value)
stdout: 10:47:53
